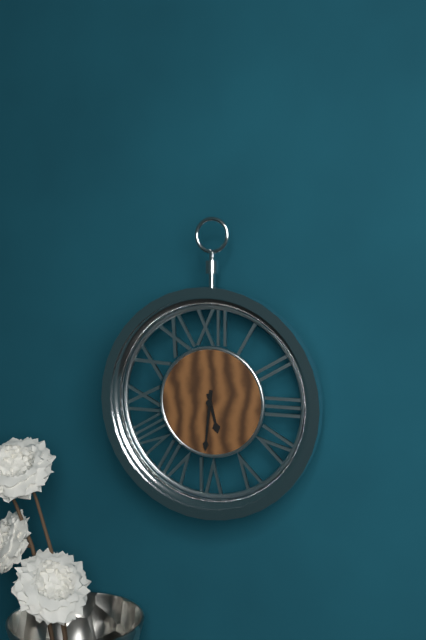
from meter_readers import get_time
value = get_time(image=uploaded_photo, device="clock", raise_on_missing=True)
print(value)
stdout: 5:31
